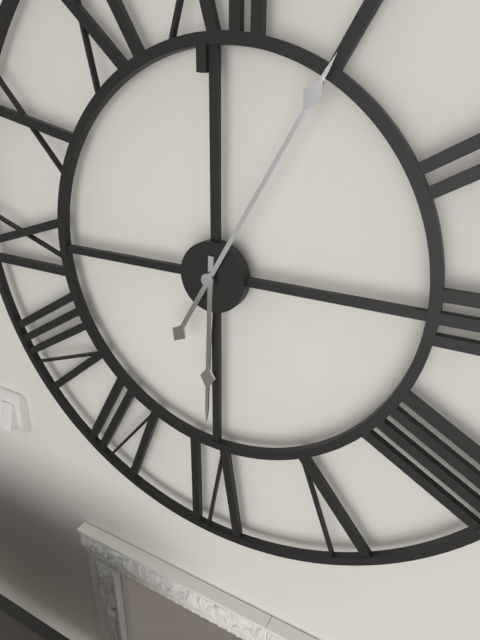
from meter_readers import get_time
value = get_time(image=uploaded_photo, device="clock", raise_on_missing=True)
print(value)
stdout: 6:05
